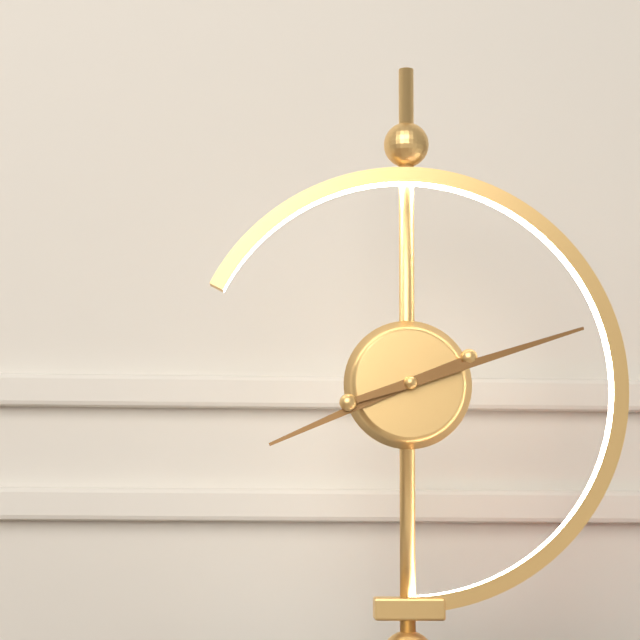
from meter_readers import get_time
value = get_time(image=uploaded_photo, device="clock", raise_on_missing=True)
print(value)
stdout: 8:12
